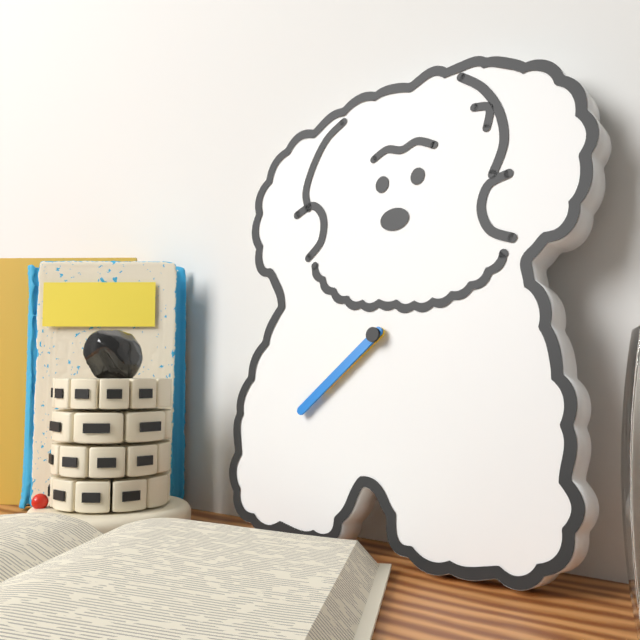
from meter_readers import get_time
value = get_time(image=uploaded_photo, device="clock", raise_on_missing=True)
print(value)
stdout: 7:38
